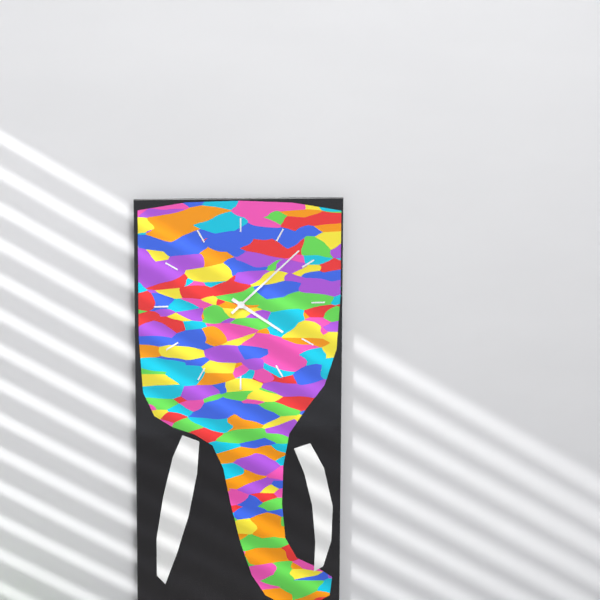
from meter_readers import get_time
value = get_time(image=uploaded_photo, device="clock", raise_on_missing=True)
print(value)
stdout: 4:08
